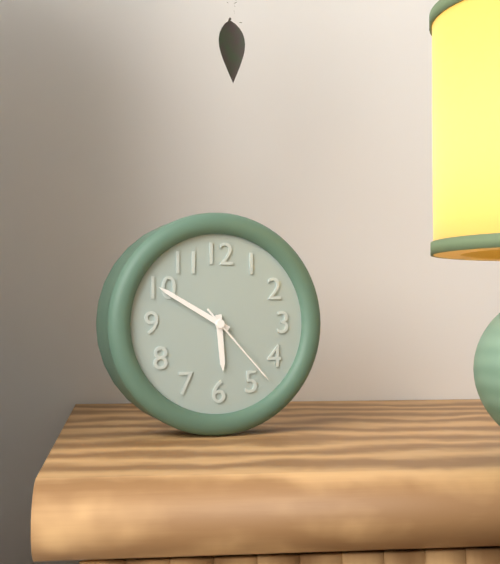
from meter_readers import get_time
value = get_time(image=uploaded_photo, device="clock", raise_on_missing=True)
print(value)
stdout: 5:50:23
